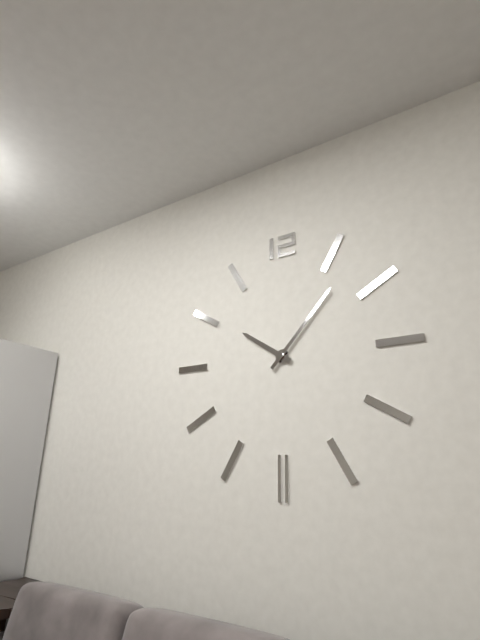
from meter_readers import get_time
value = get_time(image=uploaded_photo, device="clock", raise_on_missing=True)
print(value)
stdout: 10:07
